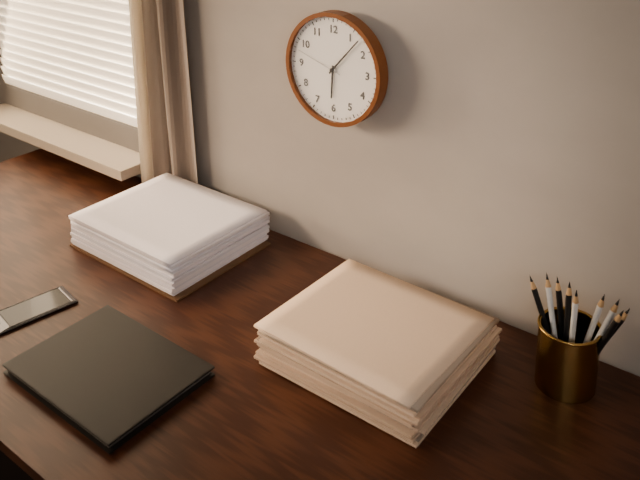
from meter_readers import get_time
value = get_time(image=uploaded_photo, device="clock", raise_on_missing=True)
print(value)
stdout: 6:07:48
